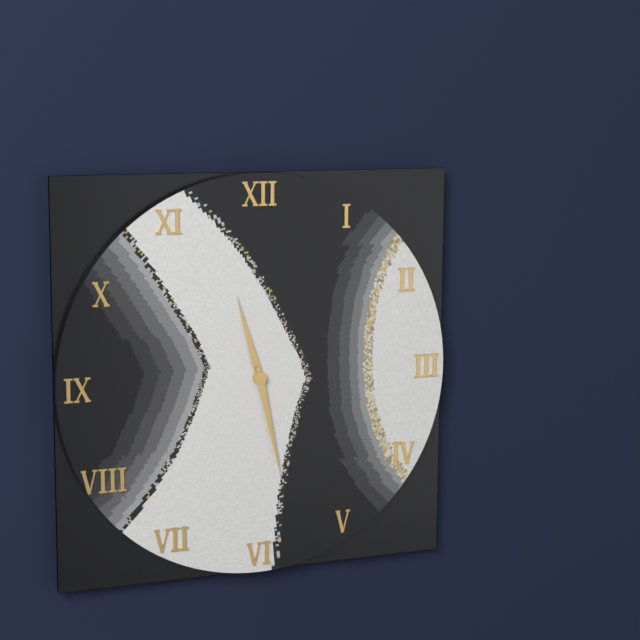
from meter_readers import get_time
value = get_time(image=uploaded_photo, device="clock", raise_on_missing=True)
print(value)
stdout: 11:28
